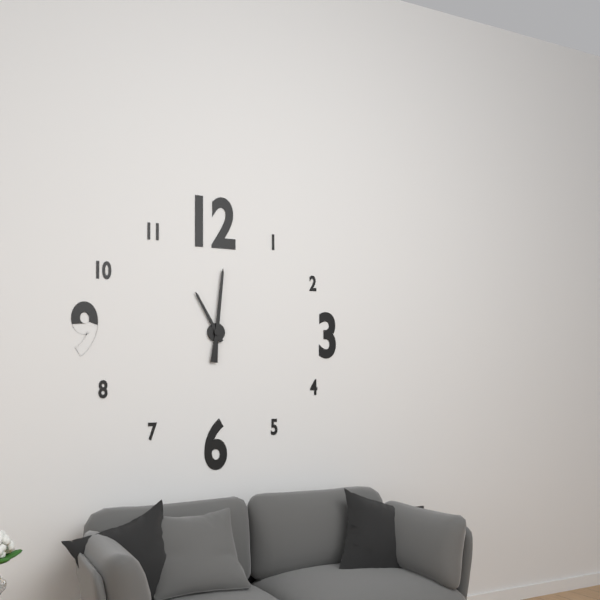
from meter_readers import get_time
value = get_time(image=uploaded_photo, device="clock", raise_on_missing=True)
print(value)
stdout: 11:01
